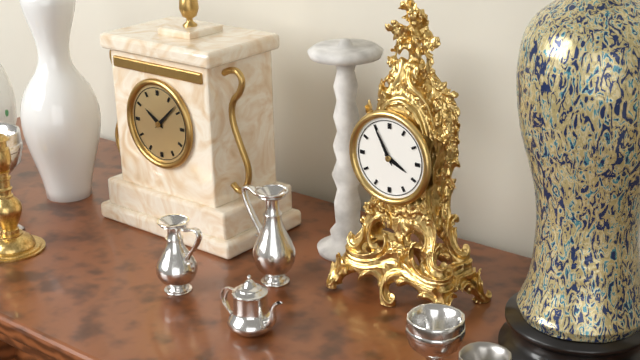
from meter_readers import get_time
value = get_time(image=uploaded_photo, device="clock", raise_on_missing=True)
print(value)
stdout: 3:55
